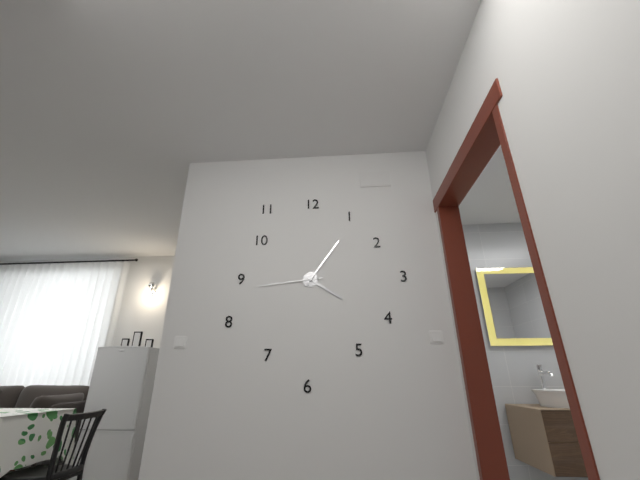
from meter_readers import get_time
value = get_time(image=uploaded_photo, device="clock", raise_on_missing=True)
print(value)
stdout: 4:06:44
